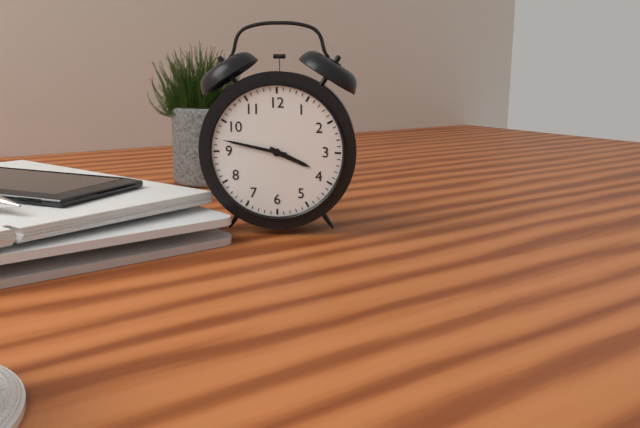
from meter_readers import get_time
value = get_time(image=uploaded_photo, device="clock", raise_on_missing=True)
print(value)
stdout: 3:47
